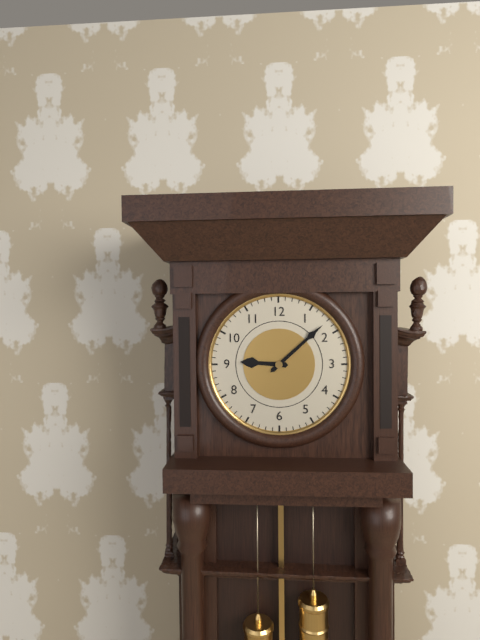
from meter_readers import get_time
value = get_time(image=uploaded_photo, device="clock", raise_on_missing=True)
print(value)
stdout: 9:08
